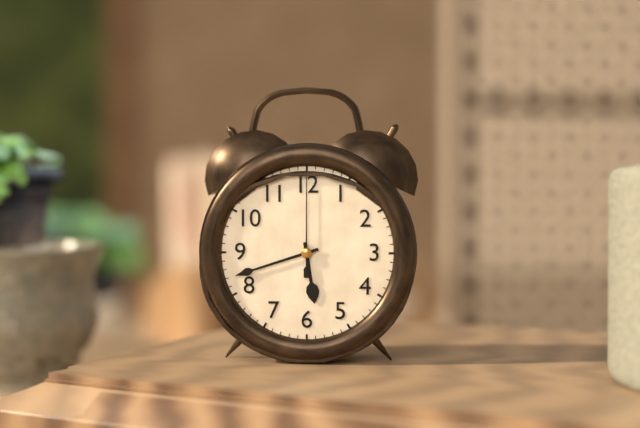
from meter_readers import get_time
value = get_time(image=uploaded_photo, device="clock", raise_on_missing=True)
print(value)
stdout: 5:42:00
